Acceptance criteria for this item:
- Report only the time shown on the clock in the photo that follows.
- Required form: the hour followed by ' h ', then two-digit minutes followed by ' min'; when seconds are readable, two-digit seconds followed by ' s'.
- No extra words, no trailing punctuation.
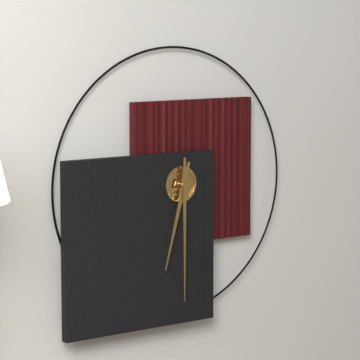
6 h 30 min
